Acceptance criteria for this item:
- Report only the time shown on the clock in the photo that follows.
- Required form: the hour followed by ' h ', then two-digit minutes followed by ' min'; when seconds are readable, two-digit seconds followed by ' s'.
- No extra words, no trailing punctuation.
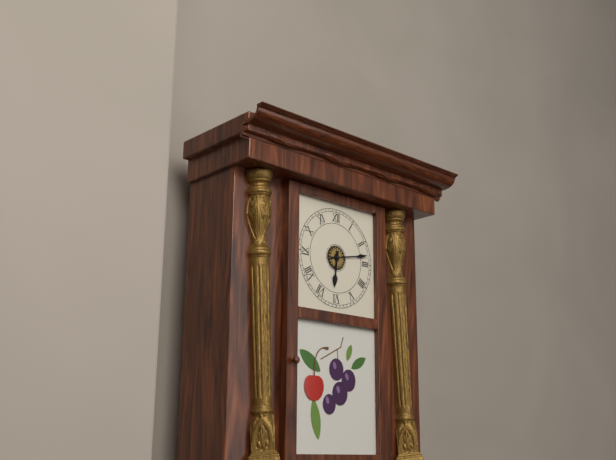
6 h 13 min
